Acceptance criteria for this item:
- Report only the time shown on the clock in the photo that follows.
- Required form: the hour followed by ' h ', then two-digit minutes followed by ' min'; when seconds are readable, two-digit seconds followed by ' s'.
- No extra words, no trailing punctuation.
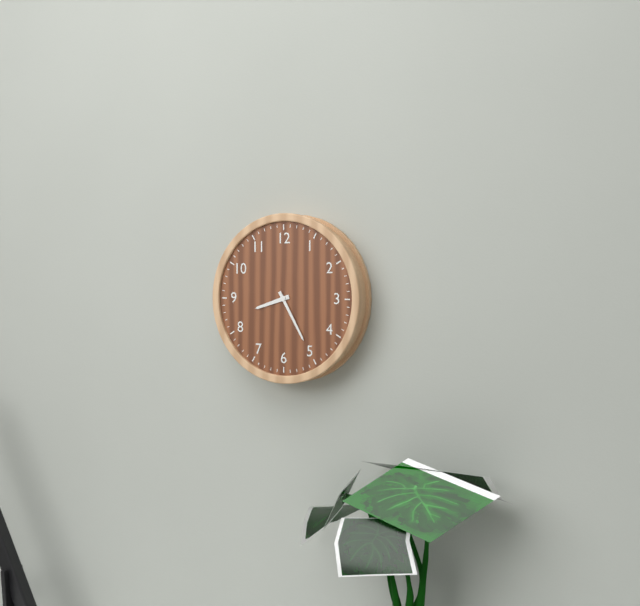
8 h 25 min
